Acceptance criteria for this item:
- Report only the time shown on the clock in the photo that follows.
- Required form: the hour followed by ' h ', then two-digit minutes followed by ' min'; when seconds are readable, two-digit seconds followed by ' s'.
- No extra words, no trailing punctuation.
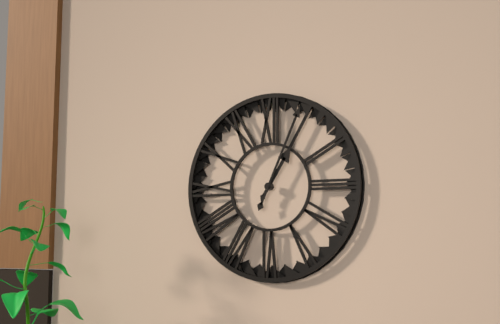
1 h 04 min
